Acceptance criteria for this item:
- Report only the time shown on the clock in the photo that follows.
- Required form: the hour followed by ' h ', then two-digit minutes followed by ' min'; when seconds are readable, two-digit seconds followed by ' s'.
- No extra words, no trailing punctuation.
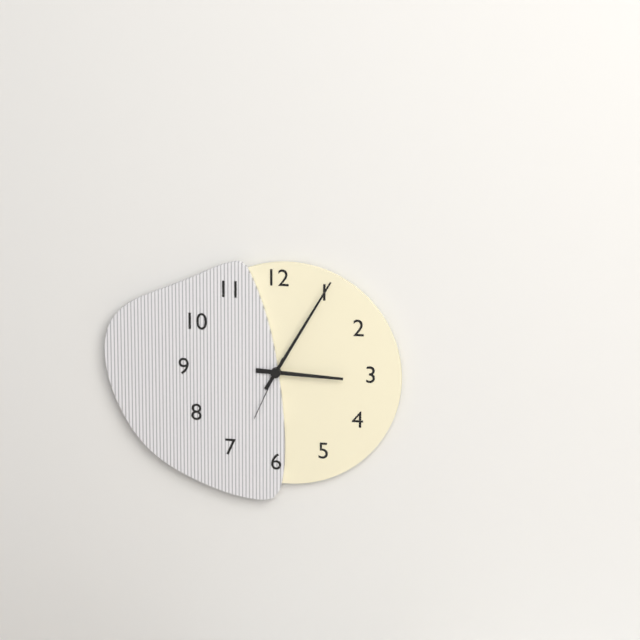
3 h 05 min 34 s
